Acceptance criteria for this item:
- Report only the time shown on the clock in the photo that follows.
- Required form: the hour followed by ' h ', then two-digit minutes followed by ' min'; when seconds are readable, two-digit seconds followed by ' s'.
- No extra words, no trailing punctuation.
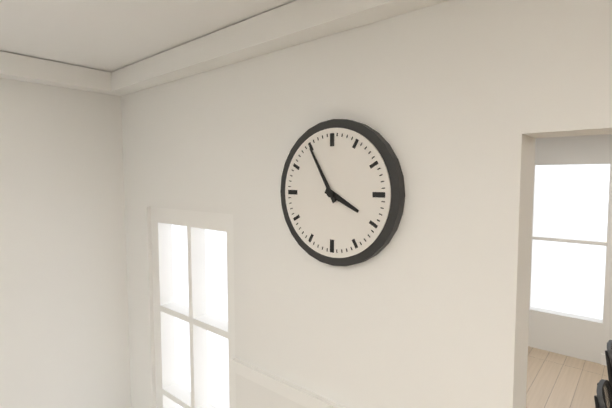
3 h 55 min
